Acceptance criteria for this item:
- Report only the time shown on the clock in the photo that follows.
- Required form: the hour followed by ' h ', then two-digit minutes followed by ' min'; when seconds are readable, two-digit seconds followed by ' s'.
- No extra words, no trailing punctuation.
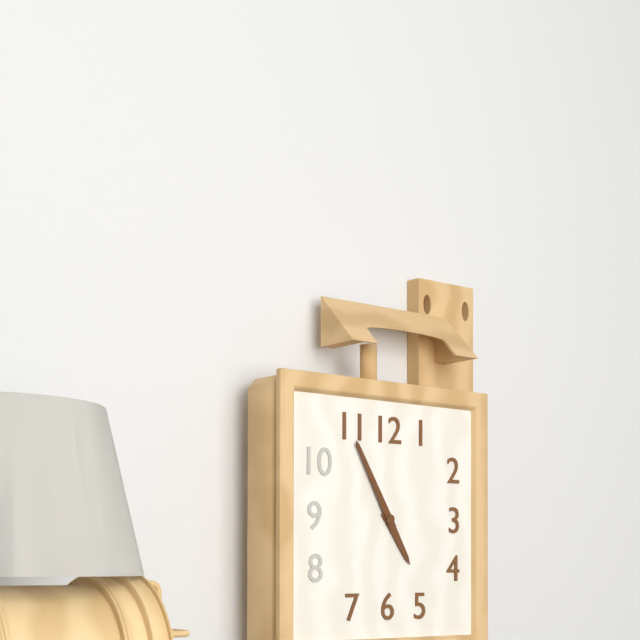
4 h 55 min
